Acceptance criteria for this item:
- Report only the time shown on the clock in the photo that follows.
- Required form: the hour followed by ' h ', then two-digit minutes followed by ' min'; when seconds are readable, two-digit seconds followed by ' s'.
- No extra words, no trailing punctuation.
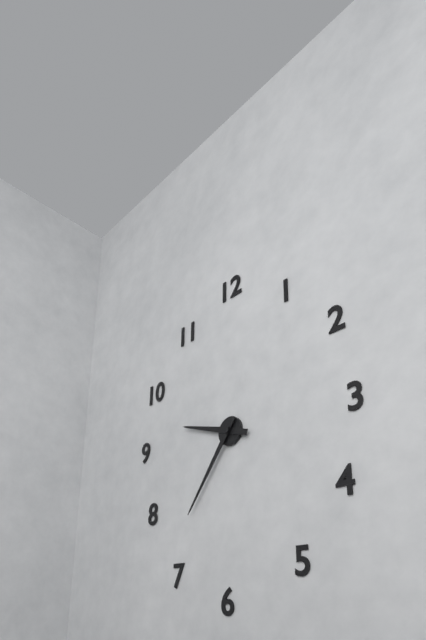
9 h 36 min
